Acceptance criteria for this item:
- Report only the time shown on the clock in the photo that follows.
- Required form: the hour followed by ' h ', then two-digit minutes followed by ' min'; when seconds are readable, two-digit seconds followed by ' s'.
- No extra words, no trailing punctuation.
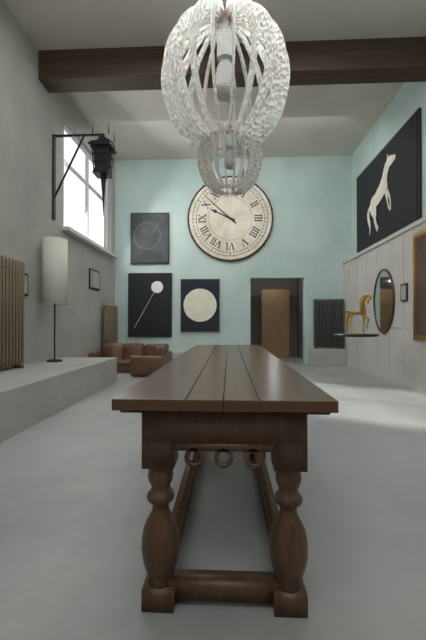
9 h 52 min
